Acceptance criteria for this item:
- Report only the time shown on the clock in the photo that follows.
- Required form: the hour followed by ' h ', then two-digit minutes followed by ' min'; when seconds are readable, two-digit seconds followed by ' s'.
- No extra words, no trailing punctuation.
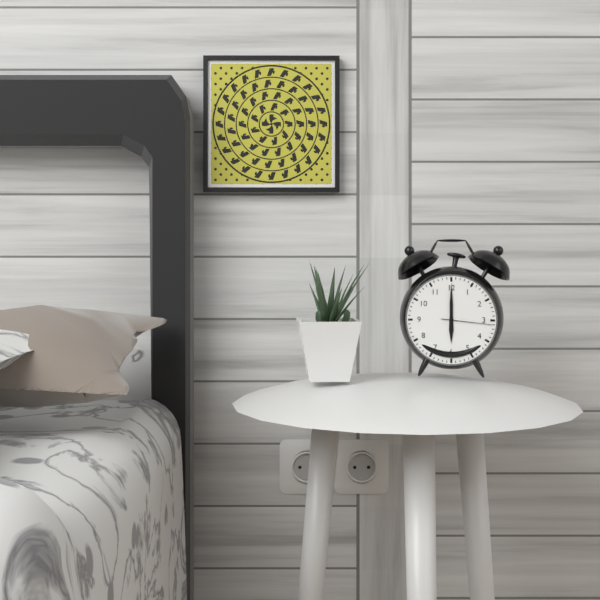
6 h 00 min 16 s
